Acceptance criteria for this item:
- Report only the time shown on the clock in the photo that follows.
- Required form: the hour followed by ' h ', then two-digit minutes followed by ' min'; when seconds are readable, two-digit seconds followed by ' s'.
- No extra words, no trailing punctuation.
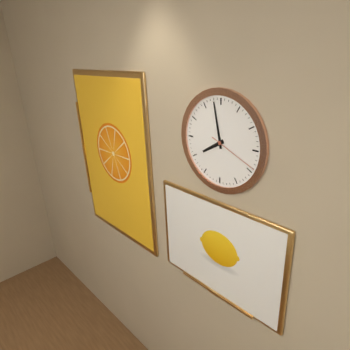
7 h 58 min 19 s
